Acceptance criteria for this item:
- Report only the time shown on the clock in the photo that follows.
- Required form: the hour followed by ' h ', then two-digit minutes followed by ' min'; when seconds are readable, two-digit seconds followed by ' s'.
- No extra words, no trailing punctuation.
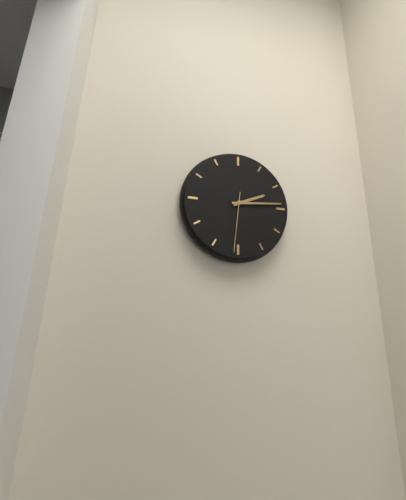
2 h 14 min 31 s
